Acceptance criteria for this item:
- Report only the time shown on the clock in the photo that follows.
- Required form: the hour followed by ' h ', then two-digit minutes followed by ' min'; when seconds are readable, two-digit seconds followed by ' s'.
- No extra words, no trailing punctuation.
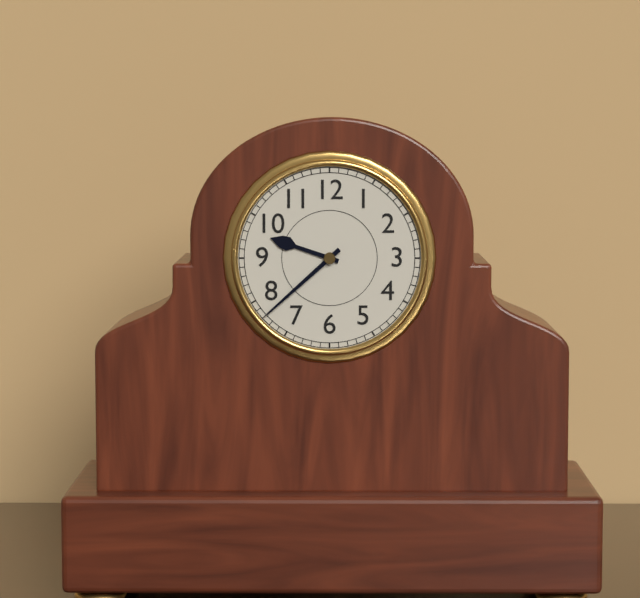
9 h 38 min
